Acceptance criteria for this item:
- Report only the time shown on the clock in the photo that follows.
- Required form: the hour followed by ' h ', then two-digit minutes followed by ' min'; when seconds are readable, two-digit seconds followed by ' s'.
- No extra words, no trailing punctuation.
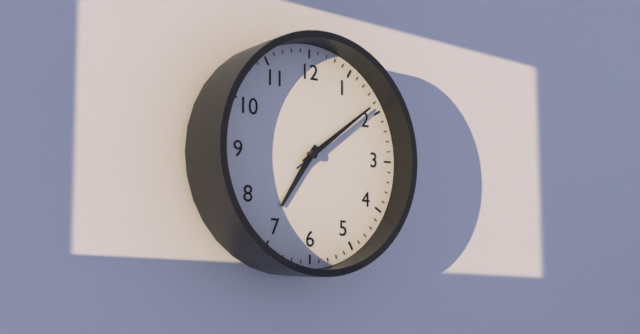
7 h 09 min 09 s
